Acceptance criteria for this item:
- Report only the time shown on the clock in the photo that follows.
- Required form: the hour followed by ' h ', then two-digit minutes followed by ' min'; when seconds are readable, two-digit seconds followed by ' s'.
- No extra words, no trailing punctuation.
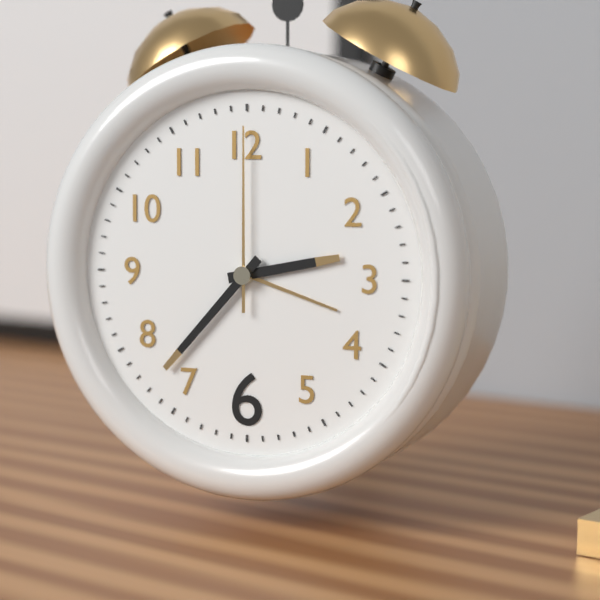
2 h 37 min 00 s
